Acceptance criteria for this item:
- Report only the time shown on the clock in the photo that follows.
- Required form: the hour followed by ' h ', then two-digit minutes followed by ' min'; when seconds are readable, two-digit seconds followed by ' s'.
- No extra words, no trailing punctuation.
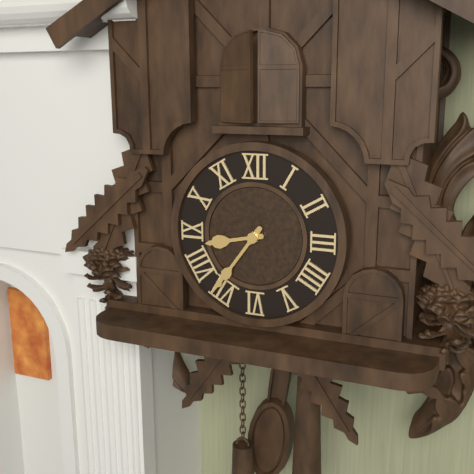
8 h 36 min
